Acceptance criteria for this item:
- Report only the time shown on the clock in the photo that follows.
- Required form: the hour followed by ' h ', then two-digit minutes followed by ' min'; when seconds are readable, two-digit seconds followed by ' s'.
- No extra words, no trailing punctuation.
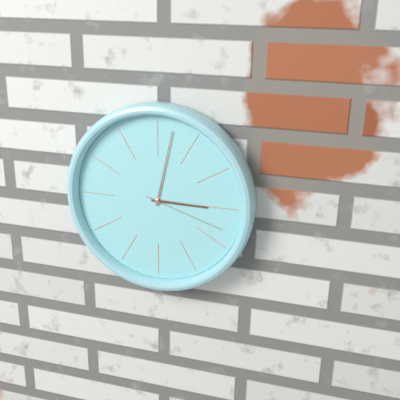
3 h 02 min 18 s
